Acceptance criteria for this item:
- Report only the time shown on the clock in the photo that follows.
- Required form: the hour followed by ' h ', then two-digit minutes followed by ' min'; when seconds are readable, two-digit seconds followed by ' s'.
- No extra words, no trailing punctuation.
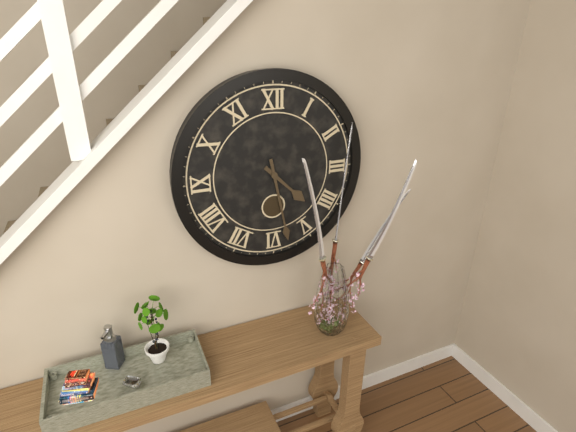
4 h 28 min
